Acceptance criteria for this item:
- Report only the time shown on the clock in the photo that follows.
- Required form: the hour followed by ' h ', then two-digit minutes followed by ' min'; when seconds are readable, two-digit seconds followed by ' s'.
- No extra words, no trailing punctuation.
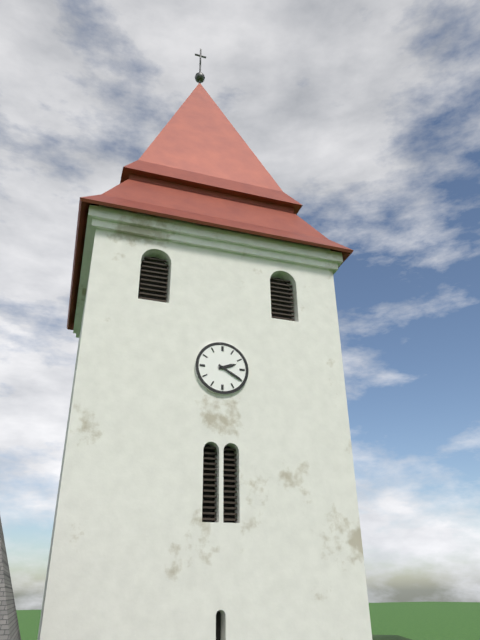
2 h 20 min
